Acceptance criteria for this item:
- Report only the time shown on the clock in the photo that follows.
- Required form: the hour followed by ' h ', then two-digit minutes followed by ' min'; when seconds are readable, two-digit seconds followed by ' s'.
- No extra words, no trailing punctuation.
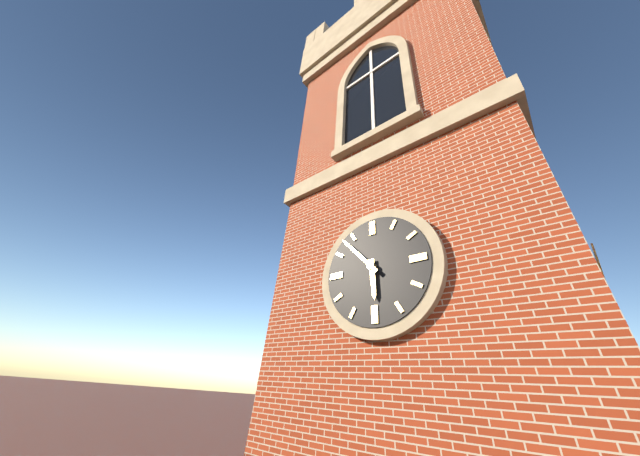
5 h 53 min
